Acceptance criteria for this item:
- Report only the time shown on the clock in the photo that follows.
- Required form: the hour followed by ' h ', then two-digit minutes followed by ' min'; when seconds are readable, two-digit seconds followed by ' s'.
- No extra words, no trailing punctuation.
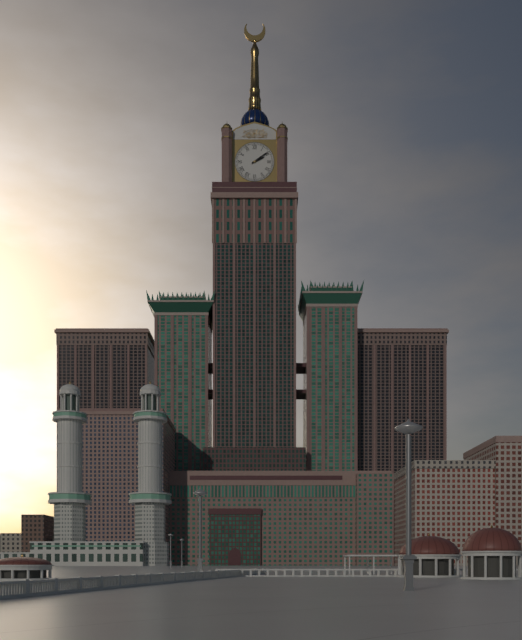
2 h 09 min
